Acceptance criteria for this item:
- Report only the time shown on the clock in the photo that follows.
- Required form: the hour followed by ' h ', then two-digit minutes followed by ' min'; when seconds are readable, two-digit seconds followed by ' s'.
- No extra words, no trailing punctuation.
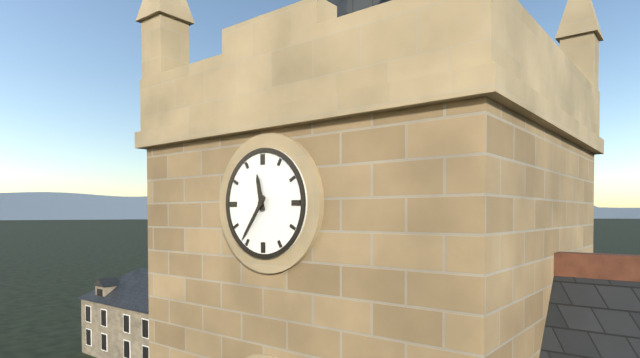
11 h 36 min
